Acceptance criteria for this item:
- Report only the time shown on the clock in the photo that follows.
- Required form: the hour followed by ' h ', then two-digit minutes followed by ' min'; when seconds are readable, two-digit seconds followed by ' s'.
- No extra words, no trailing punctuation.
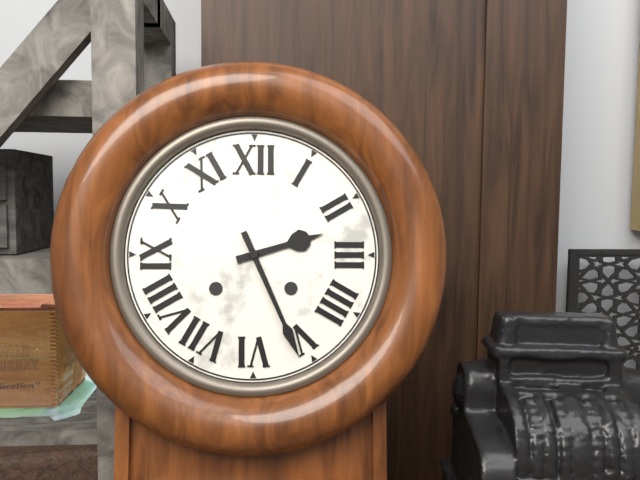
2 h 26 min
